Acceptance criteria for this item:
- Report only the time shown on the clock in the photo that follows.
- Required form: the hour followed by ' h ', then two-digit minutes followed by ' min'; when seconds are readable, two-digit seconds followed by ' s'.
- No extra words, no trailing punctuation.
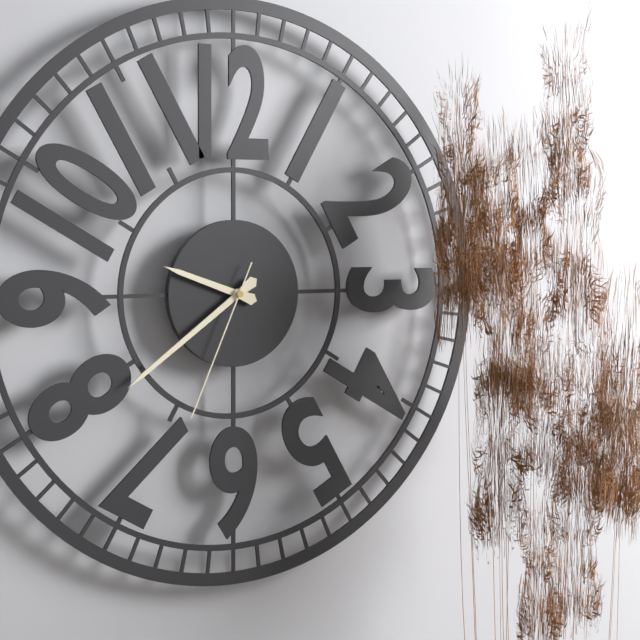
9 h 39 min 34 s
